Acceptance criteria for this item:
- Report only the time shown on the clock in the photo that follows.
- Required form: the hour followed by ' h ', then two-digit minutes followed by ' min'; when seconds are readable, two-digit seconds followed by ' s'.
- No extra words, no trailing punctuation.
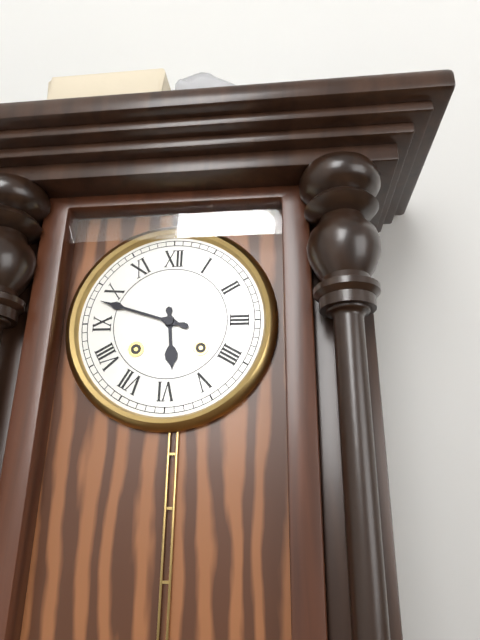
5 h 48 min
